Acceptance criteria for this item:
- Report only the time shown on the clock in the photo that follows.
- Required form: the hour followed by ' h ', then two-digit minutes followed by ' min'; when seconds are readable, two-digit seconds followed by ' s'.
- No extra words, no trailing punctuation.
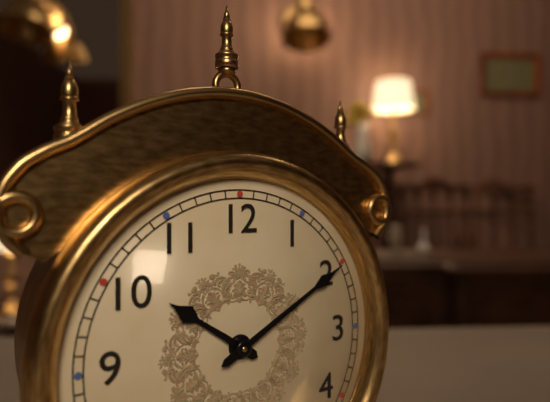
10 h 10 min
